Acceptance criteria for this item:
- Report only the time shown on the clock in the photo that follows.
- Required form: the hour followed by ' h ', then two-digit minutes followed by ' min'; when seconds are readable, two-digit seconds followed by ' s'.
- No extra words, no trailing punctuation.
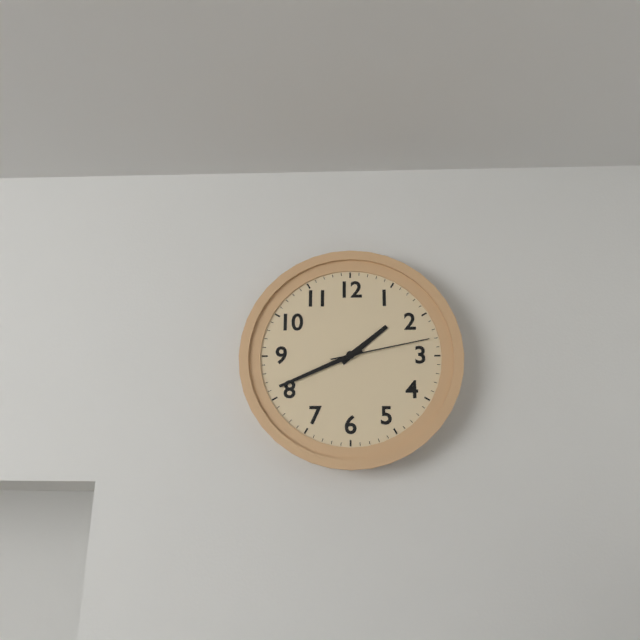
1 h 41 min 13 s
